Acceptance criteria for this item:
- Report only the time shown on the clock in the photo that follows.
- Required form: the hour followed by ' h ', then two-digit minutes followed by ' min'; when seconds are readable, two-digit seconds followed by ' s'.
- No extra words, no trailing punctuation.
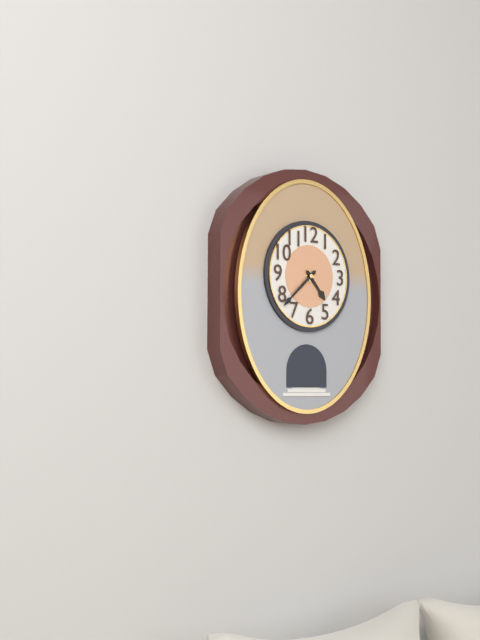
4 h 38 min
